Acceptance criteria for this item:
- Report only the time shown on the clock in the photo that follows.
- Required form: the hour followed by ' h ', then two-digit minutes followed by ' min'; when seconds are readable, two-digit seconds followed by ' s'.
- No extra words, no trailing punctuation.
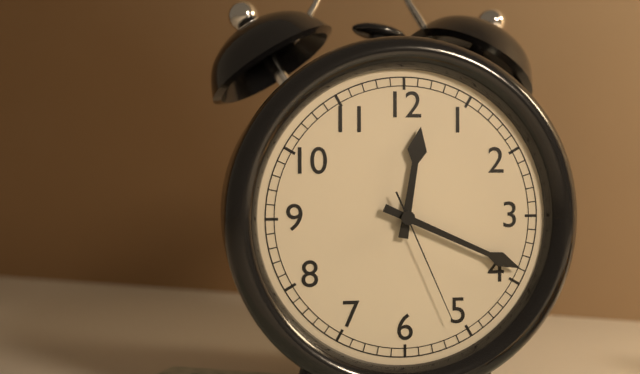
12 h 19 min 26 s
